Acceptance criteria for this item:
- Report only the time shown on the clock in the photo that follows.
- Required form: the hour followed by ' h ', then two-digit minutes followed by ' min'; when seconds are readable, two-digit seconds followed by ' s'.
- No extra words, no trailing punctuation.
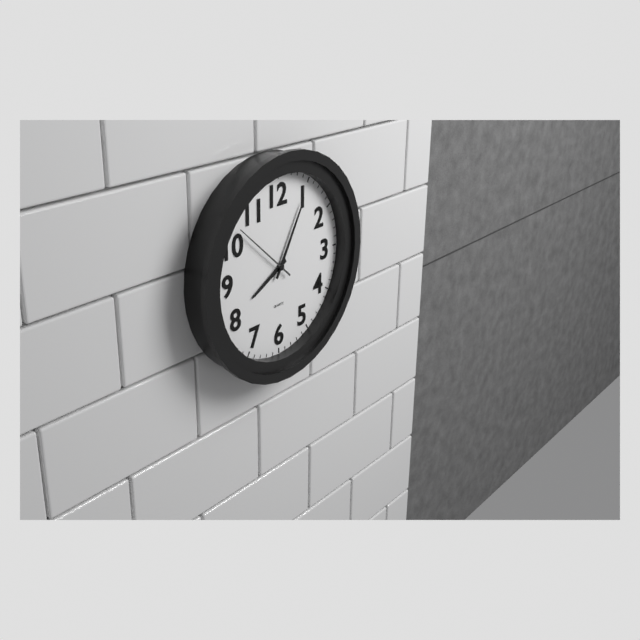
8 h 05 min 52 s
